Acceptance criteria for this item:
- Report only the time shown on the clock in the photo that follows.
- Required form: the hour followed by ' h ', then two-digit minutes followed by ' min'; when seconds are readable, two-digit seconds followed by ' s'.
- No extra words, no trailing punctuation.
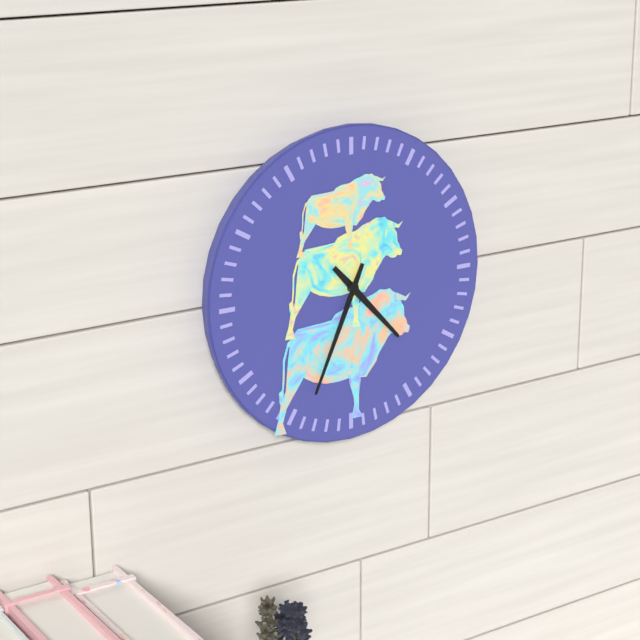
4 h 34 min
